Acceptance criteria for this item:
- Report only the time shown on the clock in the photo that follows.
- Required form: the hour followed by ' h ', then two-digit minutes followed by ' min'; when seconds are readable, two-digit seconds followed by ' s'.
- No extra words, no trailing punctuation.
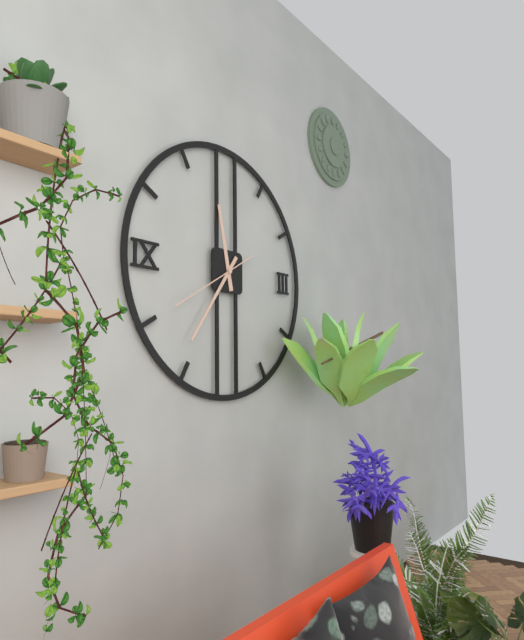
11 h 36 min 40 s
